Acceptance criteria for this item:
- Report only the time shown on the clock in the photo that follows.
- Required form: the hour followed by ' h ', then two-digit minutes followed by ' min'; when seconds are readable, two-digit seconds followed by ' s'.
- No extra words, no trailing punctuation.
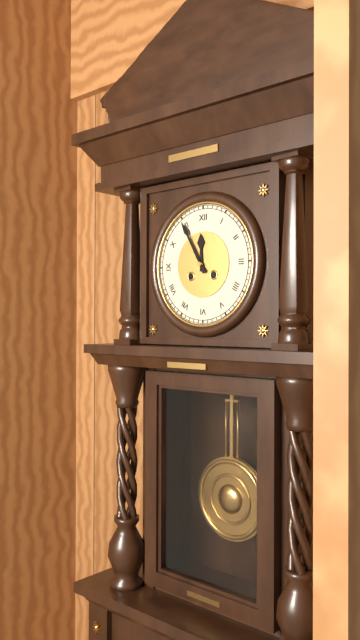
11 h 55 min
